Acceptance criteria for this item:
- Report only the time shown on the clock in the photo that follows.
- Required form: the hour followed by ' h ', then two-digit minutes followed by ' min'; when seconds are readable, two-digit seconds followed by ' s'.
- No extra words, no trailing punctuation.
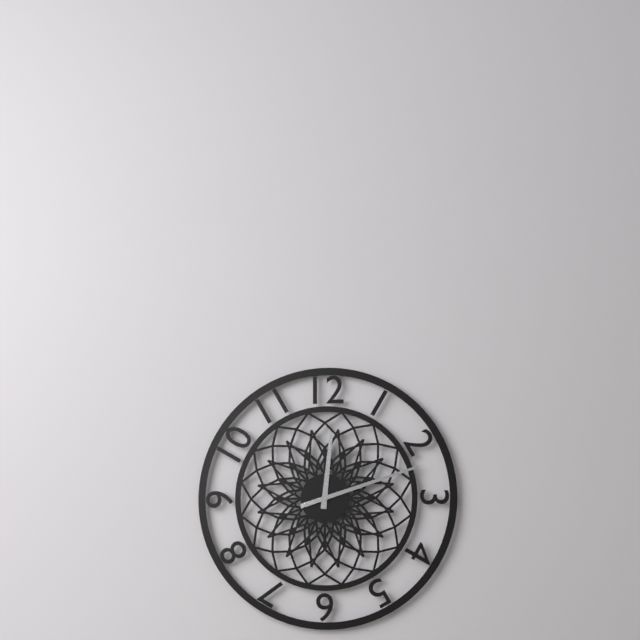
12 h 12 min
